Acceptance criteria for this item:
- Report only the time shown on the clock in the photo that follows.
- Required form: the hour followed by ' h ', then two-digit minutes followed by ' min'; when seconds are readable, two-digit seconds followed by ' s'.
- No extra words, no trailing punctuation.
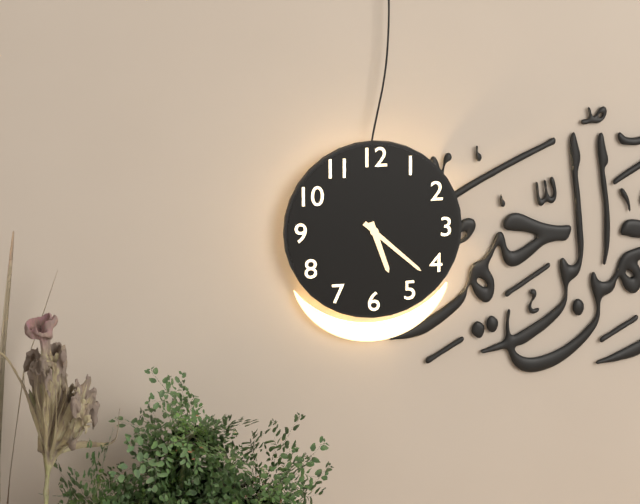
5 h 22 min
